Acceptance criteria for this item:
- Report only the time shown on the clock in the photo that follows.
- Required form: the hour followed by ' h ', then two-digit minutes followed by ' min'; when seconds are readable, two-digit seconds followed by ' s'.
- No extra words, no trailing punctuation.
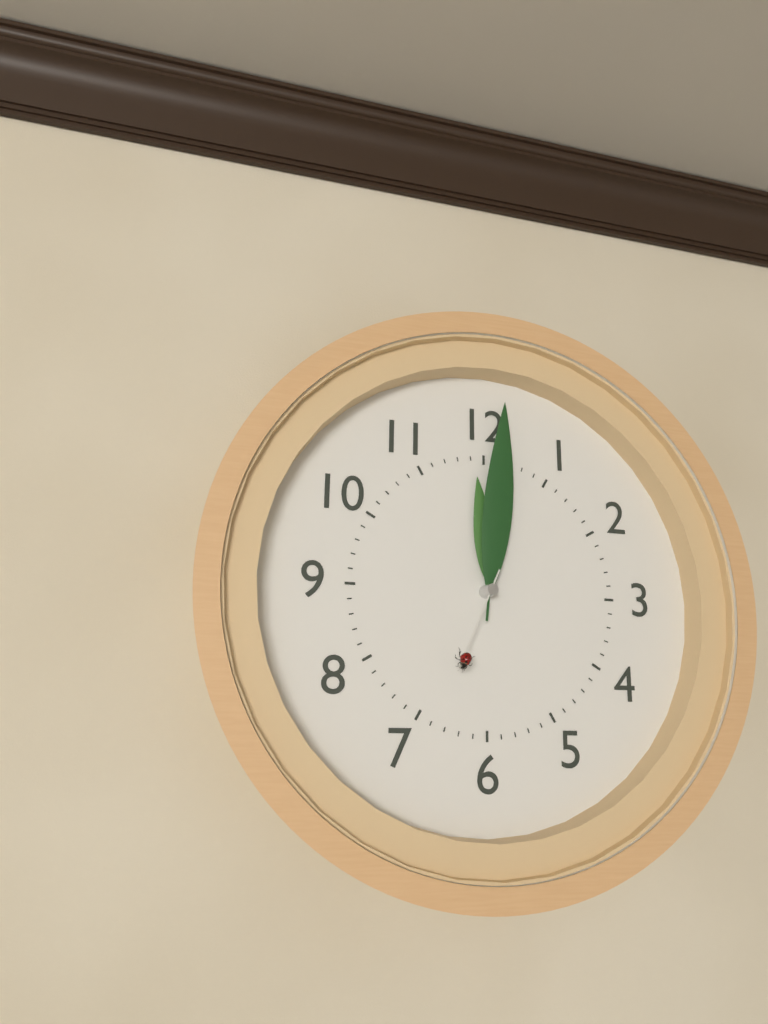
12 h 01 min 34 s
